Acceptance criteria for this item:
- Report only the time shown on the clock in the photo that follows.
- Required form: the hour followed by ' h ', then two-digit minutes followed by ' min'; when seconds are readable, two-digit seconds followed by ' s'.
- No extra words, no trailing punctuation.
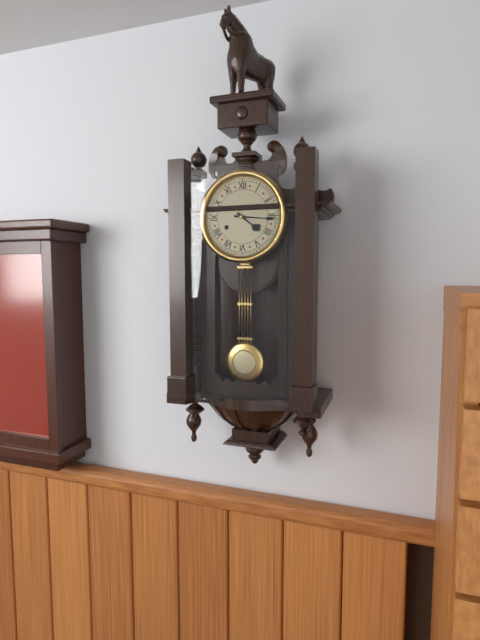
4 h 16 min
